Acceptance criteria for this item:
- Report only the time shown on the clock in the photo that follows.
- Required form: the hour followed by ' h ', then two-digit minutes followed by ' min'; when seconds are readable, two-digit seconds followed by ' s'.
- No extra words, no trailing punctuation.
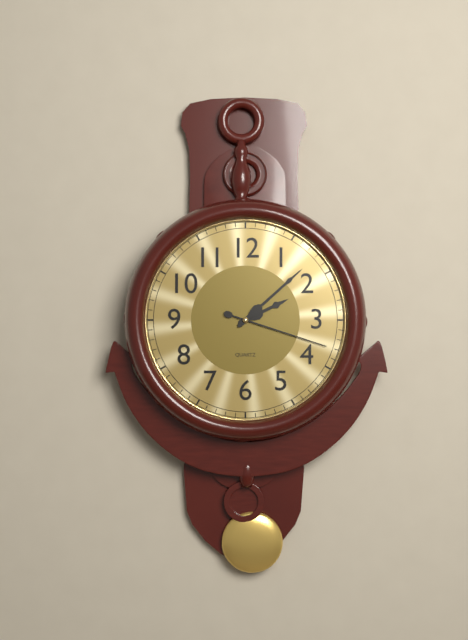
2 h 08 min 18 s
